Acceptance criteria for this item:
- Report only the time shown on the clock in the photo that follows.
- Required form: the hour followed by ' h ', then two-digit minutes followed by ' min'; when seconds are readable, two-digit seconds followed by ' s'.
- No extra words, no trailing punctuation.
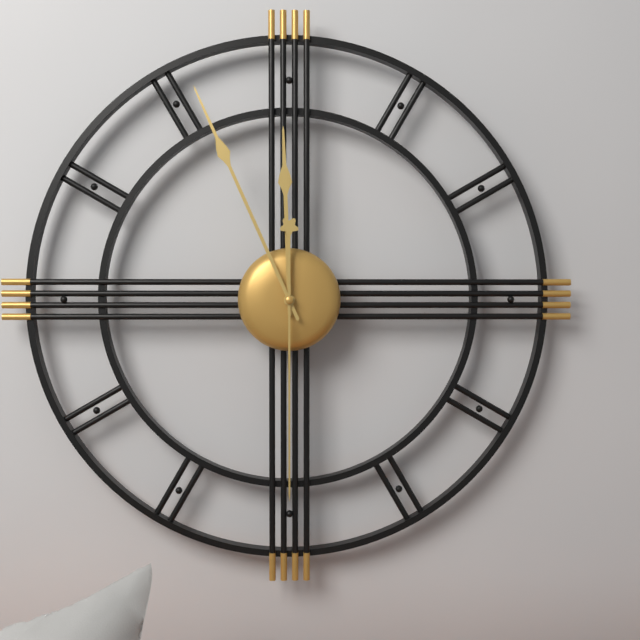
11 h 56 min 30 s
